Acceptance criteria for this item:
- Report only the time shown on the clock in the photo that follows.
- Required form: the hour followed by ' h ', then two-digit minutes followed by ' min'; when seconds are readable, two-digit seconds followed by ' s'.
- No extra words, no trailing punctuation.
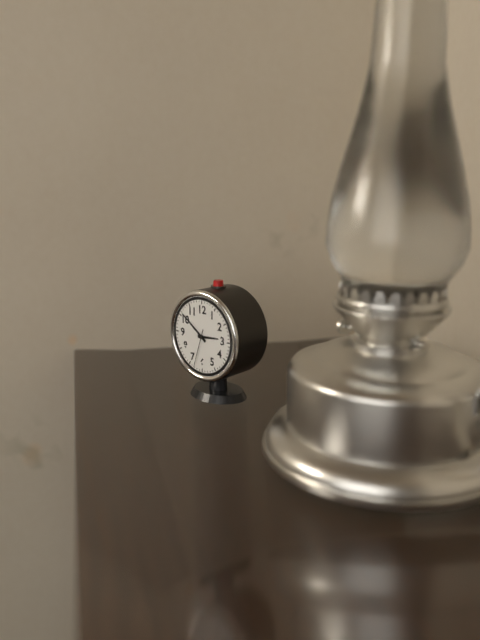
2 h 51 min 33 s
